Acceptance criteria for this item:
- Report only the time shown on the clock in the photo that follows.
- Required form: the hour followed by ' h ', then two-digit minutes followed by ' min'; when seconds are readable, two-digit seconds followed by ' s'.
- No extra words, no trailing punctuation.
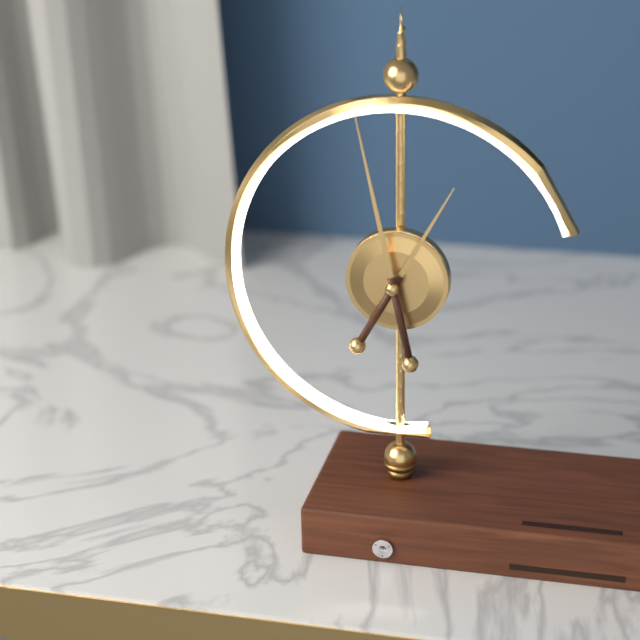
12 h 58 min
